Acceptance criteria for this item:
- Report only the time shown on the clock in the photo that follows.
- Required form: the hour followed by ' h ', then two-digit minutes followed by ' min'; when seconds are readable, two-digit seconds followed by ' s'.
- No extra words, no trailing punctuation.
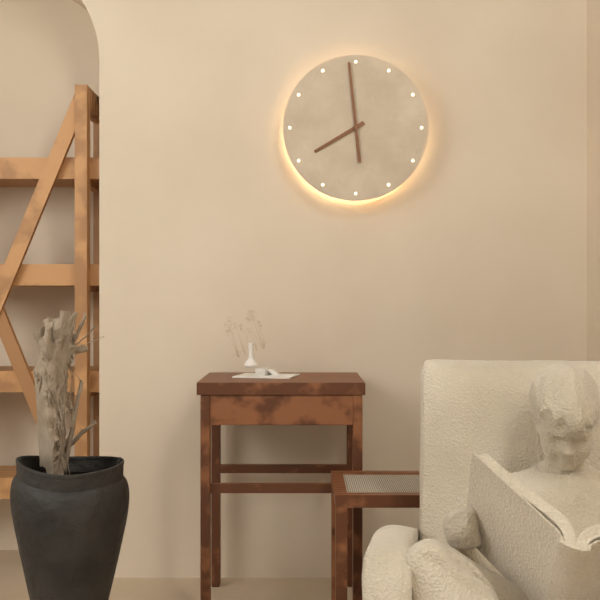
7 h 59 min
